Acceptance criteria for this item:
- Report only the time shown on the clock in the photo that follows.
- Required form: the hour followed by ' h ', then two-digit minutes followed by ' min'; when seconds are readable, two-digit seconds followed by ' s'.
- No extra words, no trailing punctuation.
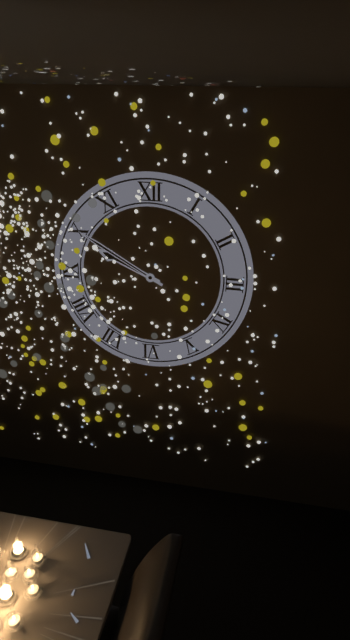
9 h 50 min
